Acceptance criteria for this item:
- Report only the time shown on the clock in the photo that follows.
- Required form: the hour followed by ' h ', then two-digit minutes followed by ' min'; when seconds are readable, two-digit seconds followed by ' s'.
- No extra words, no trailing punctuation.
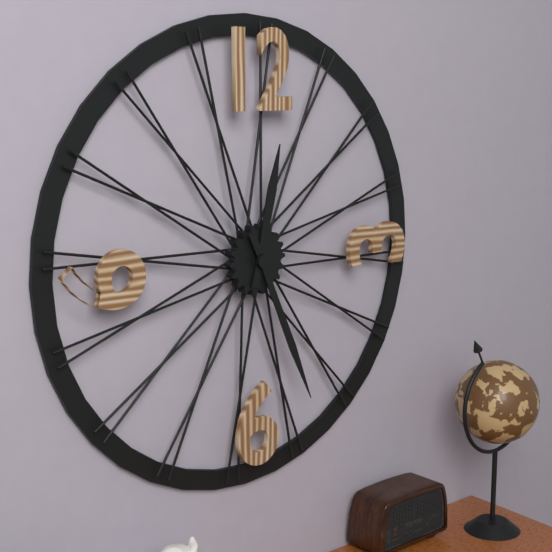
12 h 26 min
